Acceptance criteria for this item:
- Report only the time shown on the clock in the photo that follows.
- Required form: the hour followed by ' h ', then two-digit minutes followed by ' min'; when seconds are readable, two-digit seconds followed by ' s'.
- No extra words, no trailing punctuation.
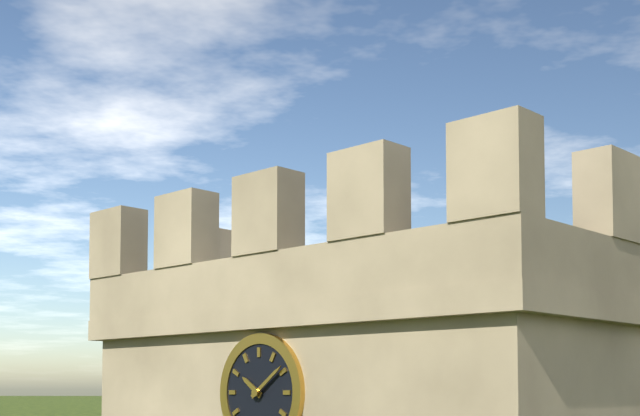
10 h 09 min
